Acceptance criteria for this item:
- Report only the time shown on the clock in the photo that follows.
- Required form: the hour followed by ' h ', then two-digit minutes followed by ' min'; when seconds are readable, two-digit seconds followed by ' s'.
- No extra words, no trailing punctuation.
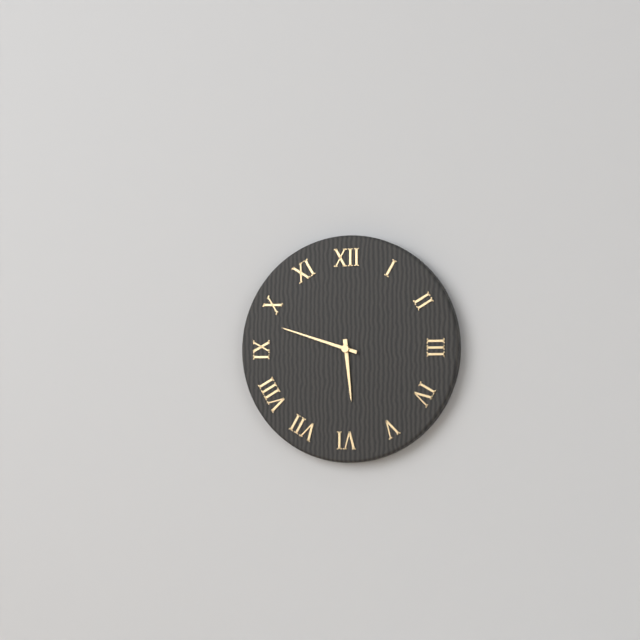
5 h 48 min
